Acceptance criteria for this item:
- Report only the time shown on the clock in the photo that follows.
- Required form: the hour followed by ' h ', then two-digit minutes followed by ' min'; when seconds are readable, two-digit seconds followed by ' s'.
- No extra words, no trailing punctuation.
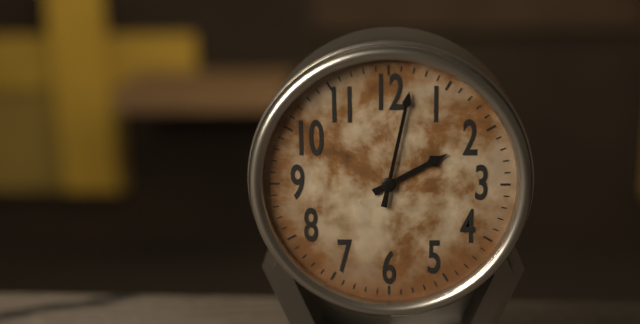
2 h 02 min
